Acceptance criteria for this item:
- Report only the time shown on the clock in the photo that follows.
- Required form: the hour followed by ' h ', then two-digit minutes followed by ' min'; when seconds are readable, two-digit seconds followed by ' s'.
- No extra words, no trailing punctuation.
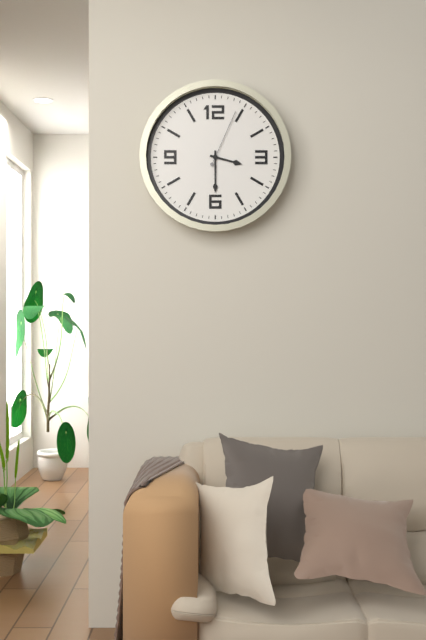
3 h 30 min 04 s
